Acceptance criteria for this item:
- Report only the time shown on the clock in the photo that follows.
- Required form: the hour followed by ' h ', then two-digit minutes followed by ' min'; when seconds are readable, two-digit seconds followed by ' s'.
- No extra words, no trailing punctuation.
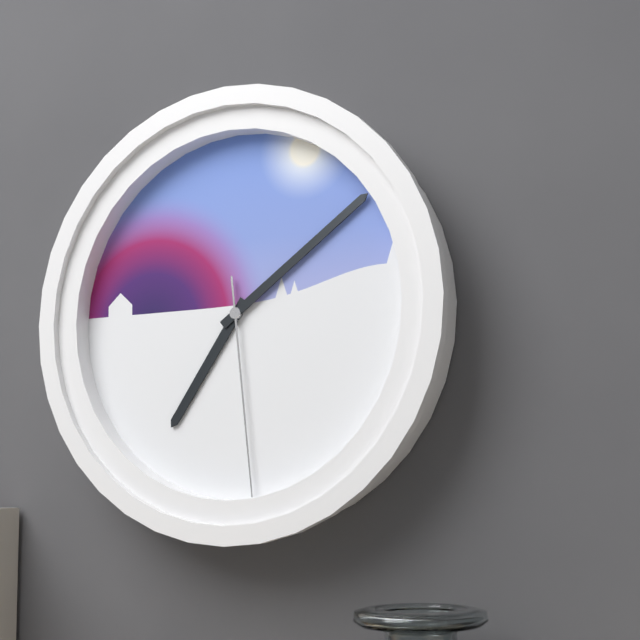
7 h 09 min 29 s
